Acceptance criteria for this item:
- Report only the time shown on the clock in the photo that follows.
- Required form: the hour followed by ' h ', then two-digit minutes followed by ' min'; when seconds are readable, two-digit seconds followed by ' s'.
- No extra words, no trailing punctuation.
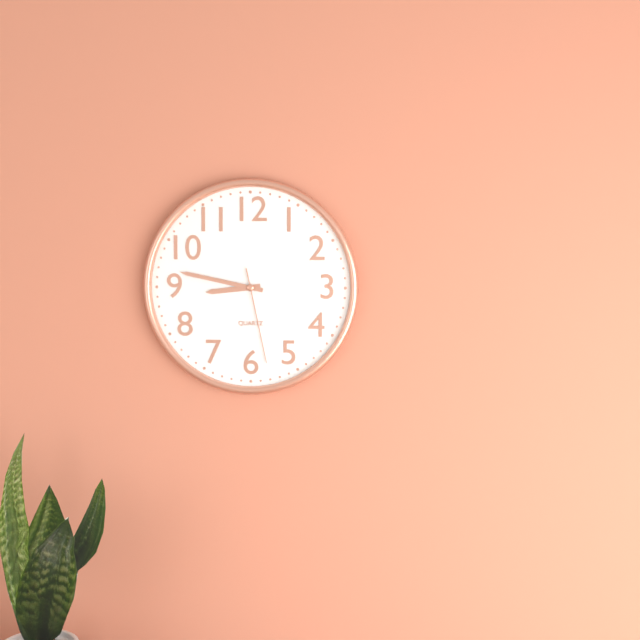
8 h 47 min 28 s
